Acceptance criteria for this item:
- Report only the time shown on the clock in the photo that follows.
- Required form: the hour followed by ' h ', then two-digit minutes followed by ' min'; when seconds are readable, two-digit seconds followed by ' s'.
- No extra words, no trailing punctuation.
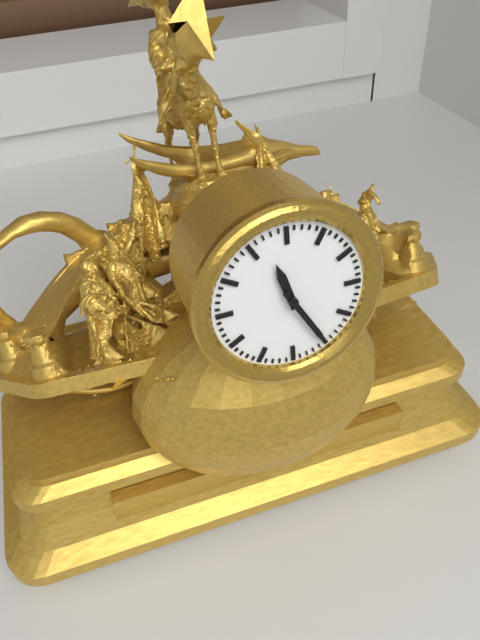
11 h 25 min
